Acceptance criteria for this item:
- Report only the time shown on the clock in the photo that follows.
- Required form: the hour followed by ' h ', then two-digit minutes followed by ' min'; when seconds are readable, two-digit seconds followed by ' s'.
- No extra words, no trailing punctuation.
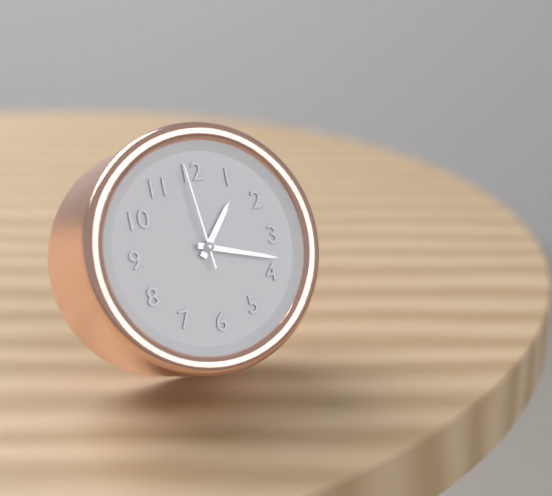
1 h 18 min 59 s
